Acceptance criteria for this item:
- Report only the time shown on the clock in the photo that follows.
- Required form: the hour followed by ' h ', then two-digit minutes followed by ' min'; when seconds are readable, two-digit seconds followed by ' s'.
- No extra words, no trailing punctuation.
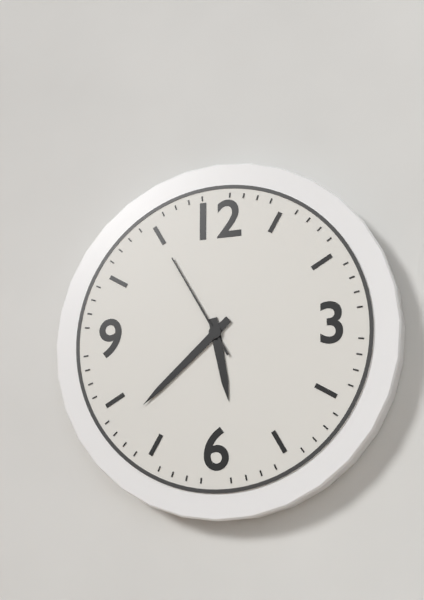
5 h 38 min 55 s
